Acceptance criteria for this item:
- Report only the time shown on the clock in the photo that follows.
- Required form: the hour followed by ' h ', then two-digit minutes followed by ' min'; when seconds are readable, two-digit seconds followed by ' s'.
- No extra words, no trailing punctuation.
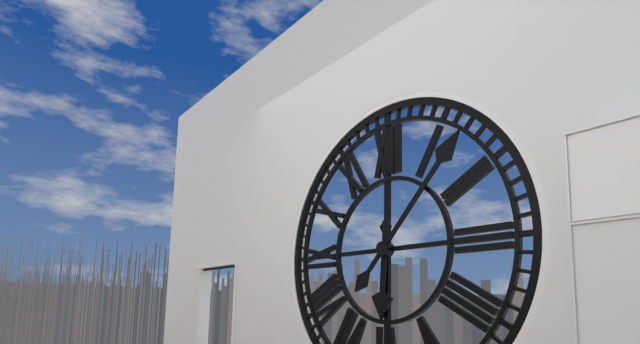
6 h 07 min
